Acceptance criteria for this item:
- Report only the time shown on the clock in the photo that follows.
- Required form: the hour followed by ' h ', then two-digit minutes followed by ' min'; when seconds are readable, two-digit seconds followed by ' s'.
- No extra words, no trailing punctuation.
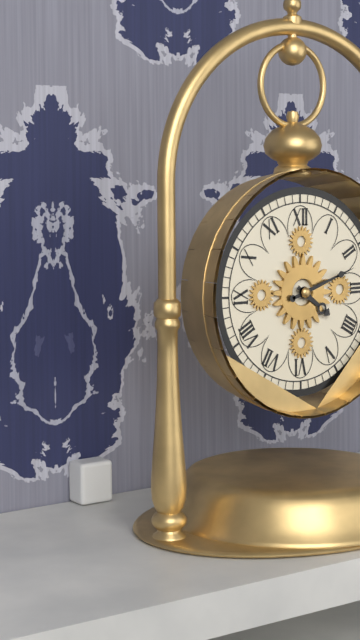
4 h 12 min
